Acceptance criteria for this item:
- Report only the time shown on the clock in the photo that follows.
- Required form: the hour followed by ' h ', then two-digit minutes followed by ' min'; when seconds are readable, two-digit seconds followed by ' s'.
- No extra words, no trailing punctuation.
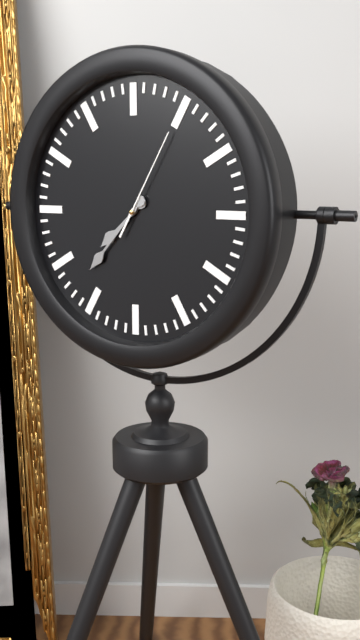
7 h 37 min 05 s
